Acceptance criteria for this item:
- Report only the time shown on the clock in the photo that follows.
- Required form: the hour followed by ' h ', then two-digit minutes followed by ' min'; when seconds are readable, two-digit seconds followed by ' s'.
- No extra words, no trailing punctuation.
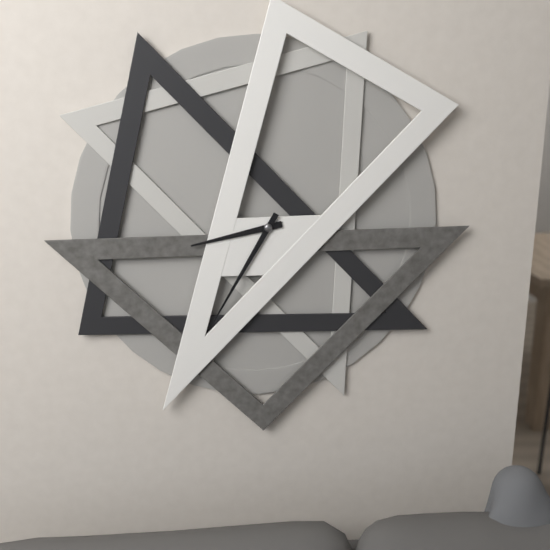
8 h 35 min
